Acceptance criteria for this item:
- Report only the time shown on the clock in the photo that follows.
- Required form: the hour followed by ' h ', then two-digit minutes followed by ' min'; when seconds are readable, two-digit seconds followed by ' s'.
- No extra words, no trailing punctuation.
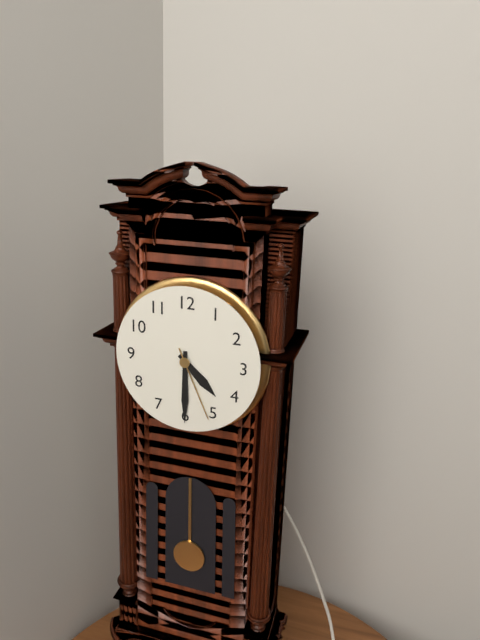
4 h 30 min 26 s
